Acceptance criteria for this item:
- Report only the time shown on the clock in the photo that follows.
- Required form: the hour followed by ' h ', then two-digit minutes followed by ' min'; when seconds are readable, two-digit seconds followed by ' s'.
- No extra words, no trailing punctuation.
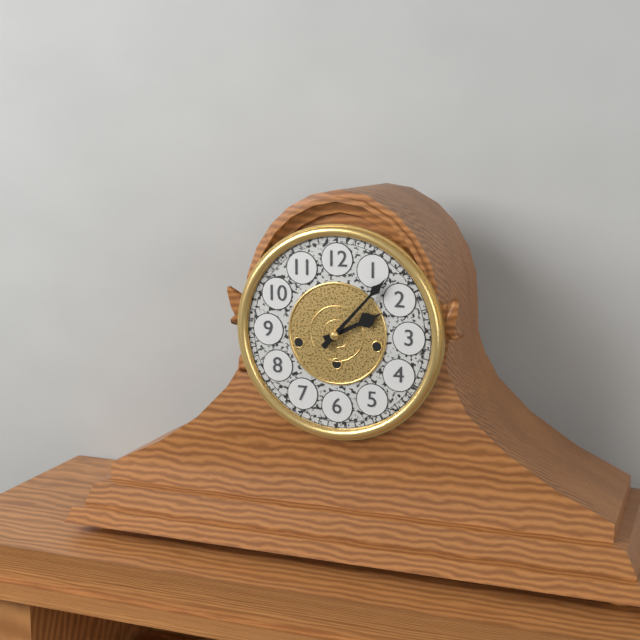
2 h 07 min
